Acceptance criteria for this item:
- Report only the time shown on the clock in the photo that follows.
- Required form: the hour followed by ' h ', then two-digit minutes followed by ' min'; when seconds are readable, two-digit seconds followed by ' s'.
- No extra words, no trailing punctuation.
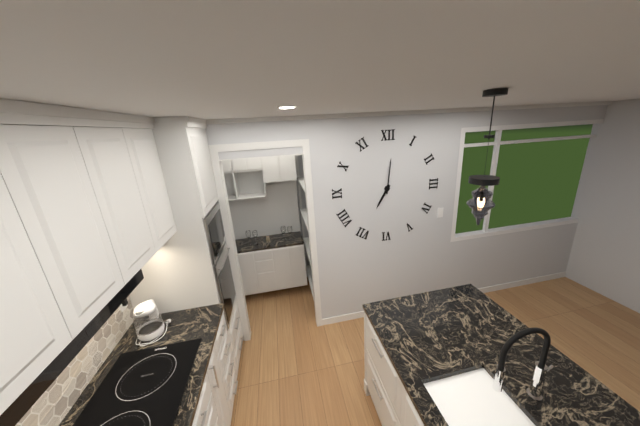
7 h 01 min
